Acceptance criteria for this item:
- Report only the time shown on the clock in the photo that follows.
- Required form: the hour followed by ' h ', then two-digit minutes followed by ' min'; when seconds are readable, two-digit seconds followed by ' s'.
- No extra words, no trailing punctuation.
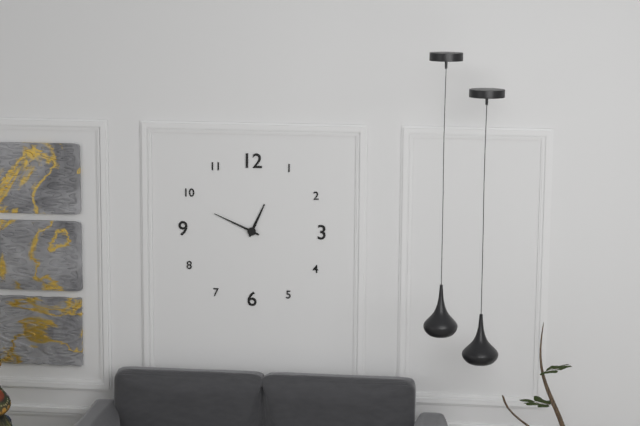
12 h 49 min
